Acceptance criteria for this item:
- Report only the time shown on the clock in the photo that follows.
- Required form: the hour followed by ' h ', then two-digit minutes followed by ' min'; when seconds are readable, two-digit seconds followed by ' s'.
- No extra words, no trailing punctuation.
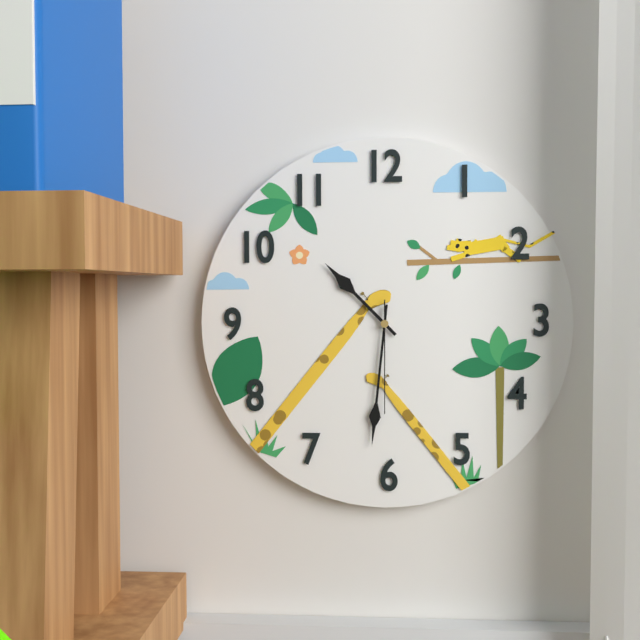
10 h 31 min 30 s
